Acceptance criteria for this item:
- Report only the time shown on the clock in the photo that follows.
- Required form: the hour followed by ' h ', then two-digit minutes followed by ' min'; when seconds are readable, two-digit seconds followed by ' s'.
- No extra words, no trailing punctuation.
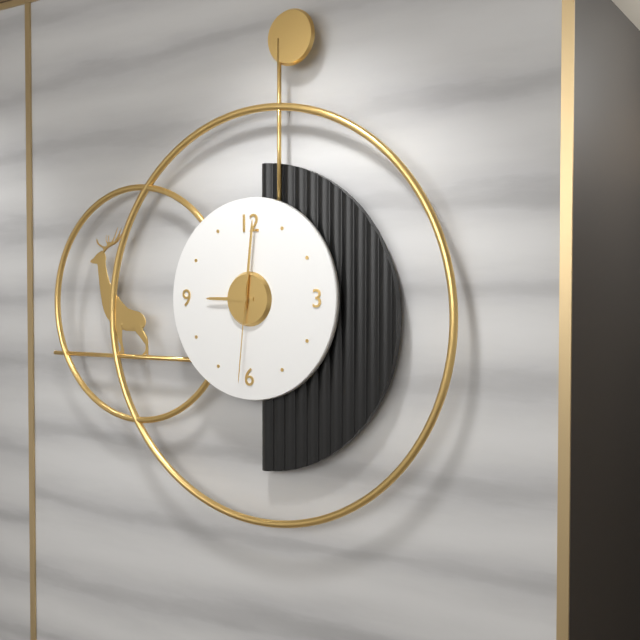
9 h 01 min 31 s
